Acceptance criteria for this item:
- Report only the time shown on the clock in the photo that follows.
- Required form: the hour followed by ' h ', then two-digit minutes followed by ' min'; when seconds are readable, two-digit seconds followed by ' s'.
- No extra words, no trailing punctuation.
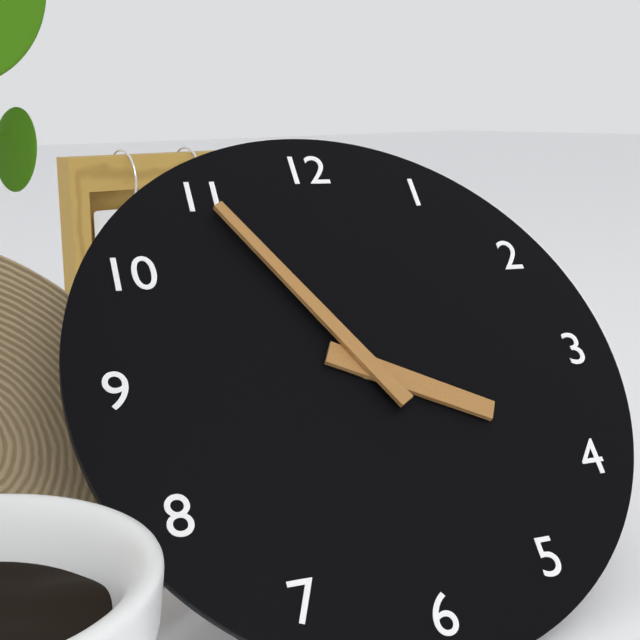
3 h 55 min
